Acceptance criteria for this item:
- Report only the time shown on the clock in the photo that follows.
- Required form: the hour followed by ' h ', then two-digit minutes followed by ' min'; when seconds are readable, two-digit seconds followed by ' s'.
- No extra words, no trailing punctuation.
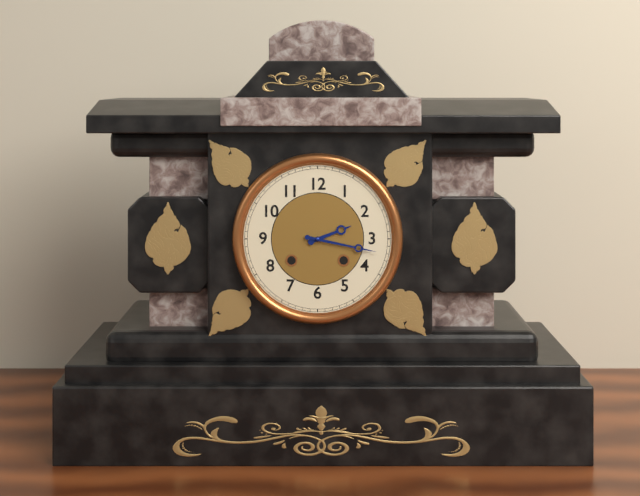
2 h 17 min
